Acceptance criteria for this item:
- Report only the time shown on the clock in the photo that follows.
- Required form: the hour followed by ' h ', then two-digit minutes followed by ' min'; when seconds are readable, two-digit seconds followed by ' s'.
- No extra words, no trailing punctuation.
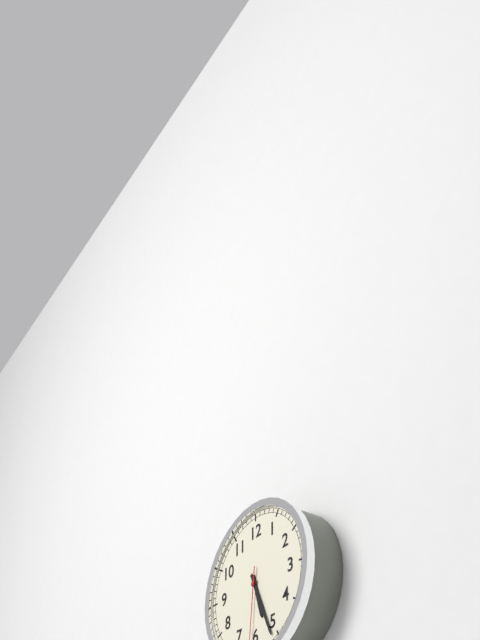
5 h 26 min
